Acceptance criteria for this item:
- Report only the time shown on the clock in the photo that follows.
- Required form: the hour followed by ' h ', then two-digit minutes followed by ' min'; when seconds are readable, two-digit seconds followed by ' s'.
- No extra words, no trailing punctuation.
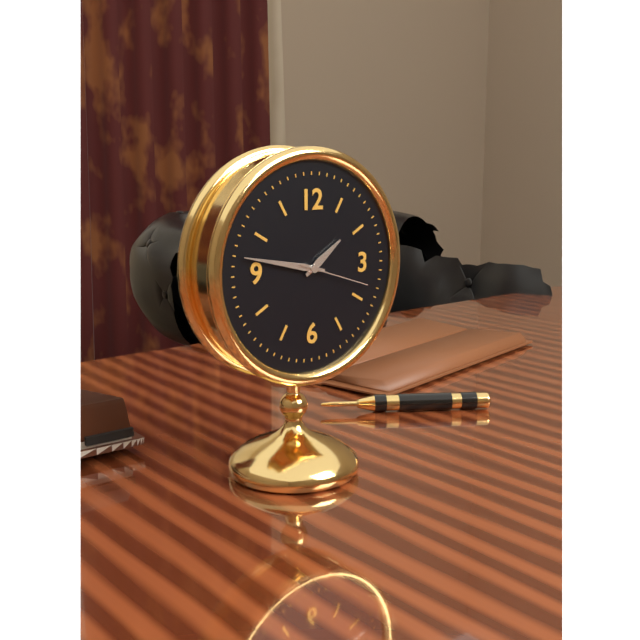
1 h 47 min 18 s
